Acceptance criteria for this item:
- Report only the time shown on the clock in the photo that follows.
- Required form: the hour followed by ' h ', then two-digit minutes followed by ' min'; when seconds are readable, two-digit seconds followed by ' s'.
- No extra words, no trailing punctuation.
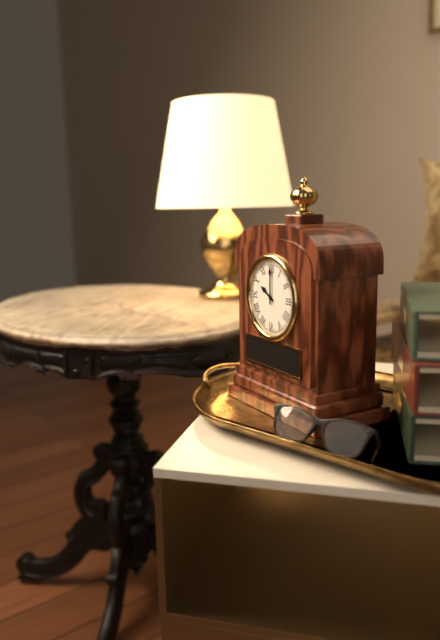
10 h 00 min
